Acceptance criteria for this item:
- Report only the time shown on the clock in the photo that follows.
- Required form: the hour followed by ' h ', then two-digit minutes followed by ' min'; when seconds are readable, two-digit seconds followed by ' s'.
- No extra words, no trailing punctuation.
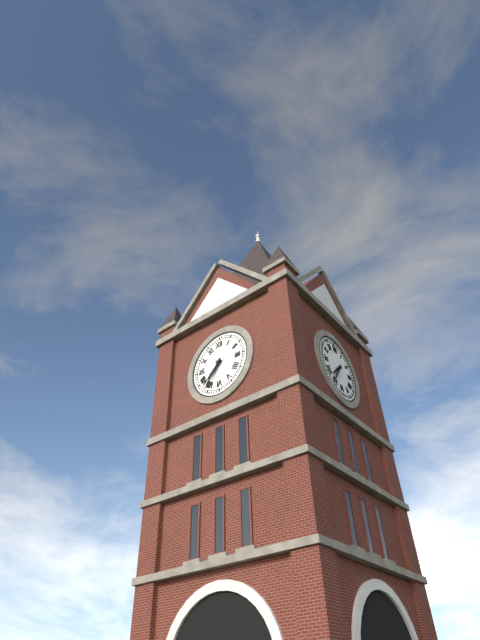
7 h 36 min
